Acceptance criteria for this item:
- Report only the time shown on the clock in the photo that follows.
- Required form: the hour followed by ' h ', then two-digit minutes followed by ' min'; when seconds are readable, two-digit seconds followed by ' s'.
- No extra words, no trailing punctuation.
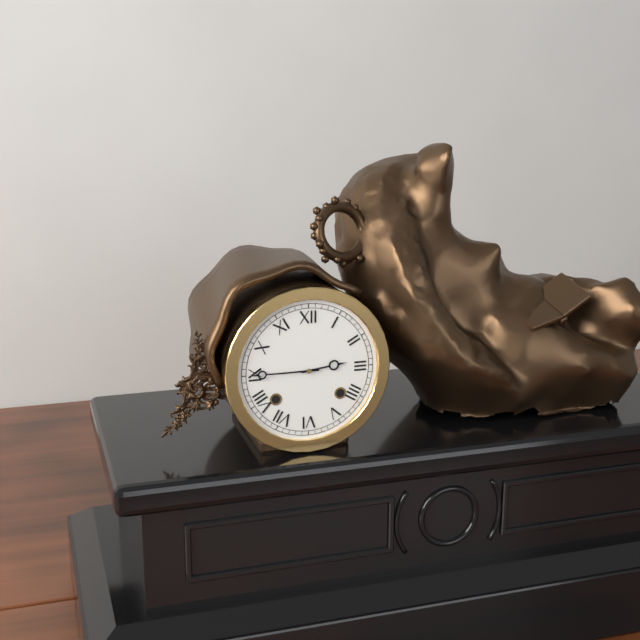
2 h 45 min
